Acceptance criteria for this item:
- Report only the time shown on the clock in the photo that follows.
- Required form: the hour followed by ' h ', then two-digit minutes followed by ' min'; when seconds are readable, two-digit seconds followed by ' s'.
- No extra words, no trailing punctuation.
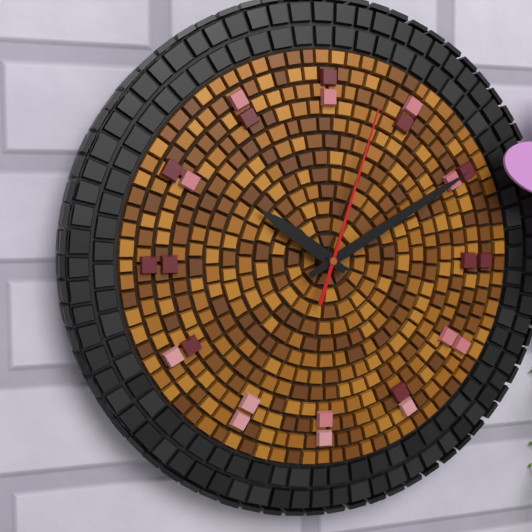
10 h 10 min 03 s
